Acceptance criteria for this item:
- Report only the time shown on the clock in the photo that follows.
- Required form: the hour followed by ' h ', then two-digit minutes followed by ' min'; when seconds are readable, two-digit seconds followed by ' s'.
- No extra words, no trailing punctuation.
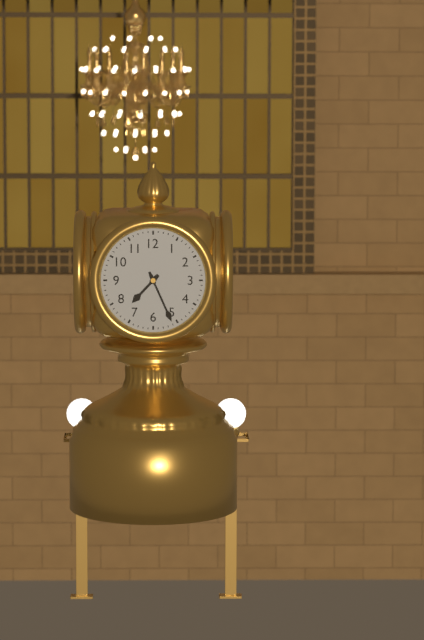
7 h 26 min
